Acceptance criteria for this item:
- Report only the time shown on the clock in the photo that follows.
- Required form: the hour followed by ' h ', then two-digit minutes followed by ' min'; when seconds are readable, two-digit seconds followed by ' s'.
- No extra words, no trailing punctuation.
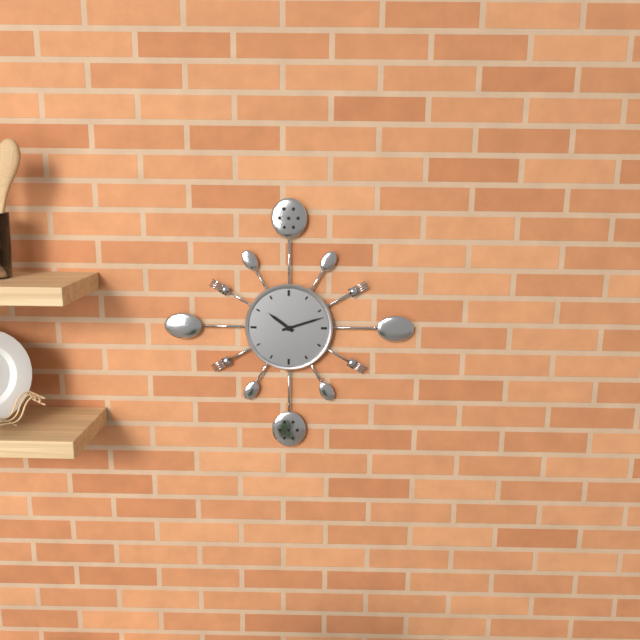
10 h 12 min
